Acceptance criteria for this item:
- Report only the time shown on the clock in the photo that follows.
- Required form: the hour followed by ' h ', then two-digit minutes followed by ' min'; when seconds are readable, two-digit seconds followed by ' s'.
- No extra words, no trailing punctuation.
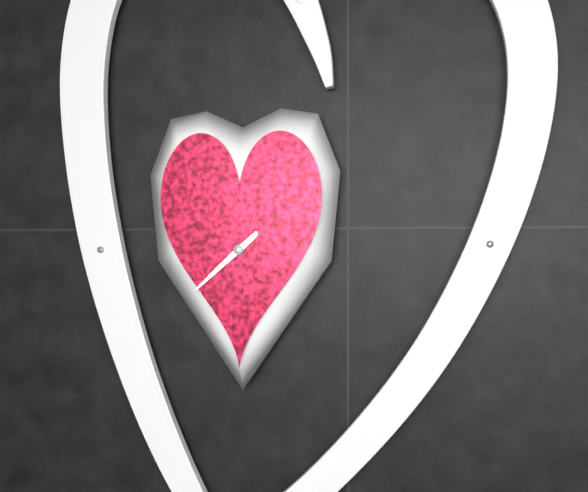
7 h 38 min
